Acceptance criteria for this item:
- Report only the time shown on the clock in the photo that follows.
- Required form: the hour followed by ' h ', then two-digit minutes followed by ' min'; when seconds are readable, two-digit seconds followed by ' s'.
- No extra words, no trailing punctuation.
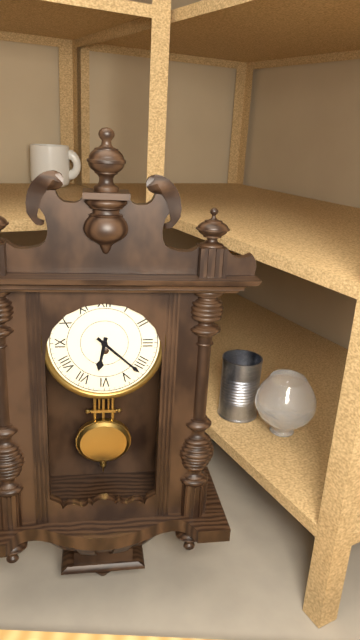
6 h 22 min
